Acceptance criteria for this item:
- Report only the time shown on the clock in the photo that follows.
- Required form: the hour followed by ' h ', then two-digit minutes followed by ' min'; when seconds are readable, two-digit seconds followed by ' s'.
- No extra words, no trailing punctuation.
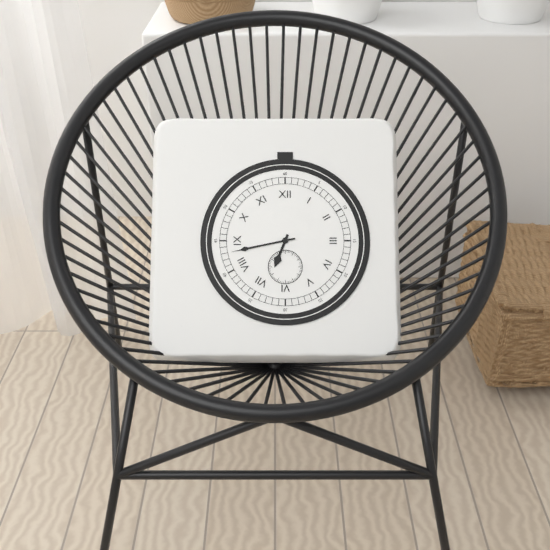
6 h 43 min
